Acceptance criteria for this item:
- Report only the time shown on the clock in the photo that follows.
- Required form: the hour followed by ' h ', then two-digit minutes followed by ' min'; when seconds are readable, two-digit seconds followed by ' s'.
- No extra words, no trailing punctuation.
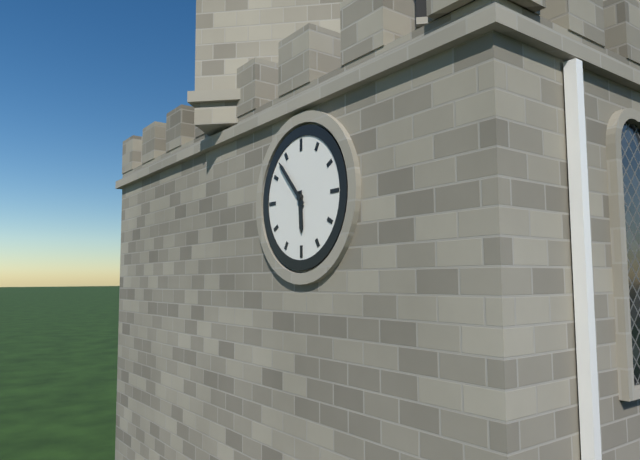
5 h 53 min
